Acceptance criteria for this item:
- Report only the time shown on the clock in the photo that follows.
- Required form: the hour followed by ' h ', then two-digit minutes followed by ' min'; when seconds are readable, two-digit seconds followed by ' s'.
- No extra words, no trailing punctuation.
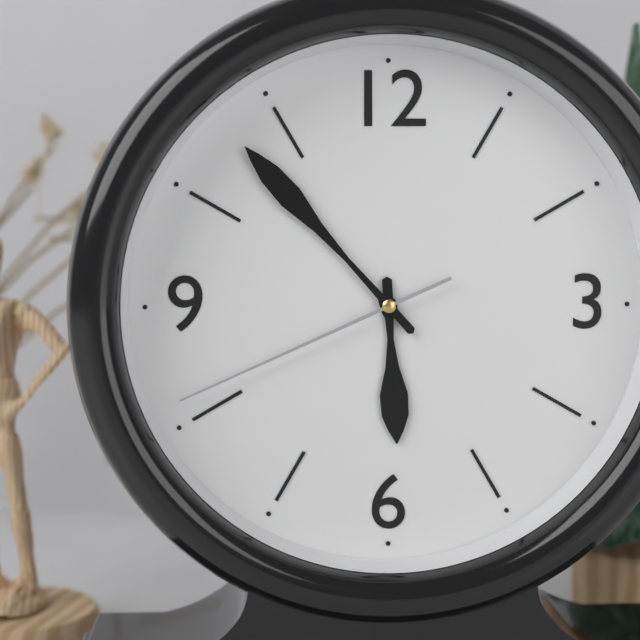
5 h 53 min 41 s
